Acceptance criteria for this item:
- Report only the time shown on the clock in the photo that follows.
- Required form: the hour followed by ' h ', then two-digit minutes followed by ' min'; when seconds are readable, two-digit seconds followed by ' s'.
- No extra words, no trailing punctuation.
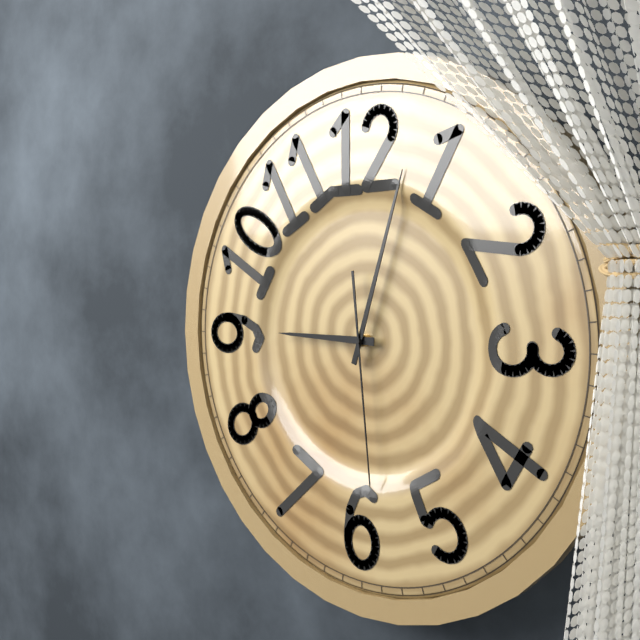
9 h 03 min 29 s
